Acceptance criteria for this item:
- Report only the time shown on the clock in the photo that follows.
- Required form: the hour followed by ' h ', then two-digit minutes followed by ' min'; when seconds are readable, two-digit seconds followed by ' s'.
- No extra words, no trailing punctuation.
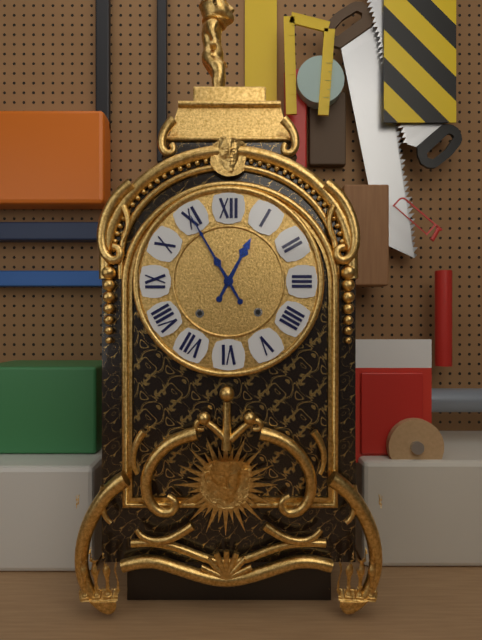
12 h 55 min
